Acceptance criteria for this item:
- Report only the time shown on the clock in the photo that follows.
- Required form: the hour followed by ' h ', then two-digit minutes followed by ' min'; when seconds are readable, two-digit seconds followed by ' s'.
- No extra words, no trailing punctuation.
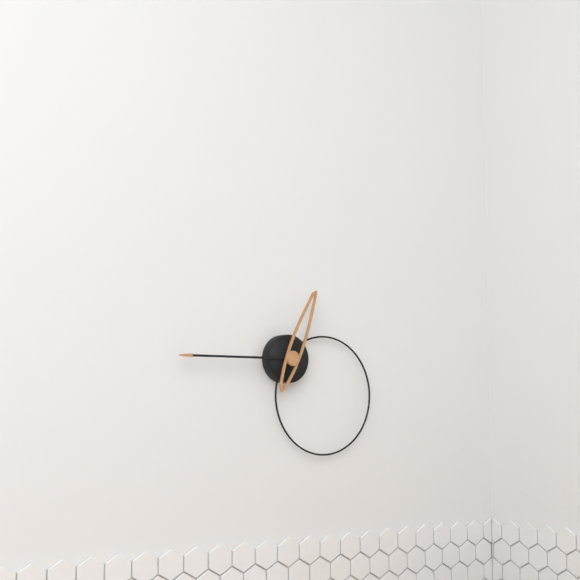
12 h 45 min
